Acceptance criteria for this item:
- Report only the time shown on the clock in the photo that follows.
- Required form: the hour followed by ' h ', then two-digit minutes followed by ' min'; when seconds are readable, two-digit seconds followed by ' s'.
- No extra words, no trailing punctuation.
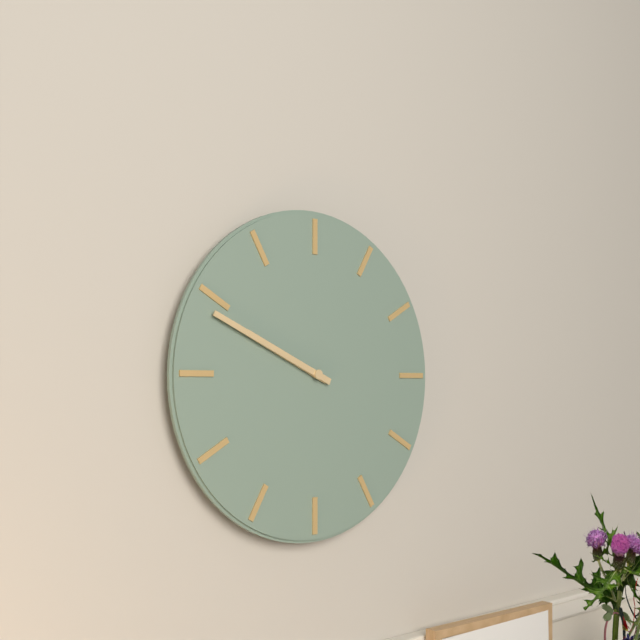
9 h 49 min
